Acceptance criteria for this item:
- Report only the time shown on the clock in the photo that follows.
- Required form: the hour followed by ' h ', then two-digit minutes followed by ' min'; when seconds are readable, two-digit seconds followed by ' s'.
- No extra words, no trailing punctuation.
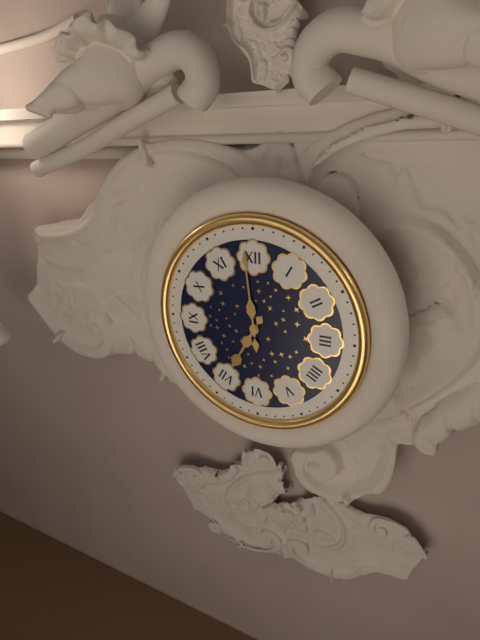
6 h 59 min
